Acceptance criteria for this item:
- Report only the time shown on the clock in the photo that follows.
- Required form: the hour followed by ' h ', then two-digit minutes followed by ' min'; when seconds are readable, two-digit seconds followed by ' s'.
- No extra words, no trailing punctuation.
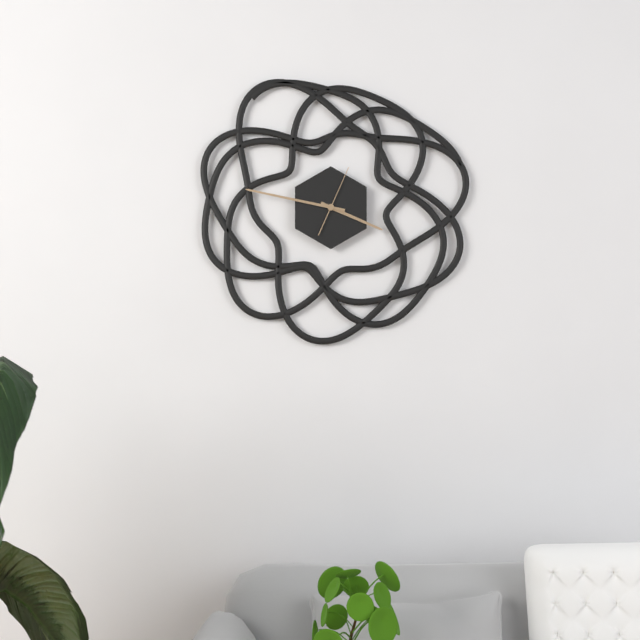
3 h 47 min 04 s
